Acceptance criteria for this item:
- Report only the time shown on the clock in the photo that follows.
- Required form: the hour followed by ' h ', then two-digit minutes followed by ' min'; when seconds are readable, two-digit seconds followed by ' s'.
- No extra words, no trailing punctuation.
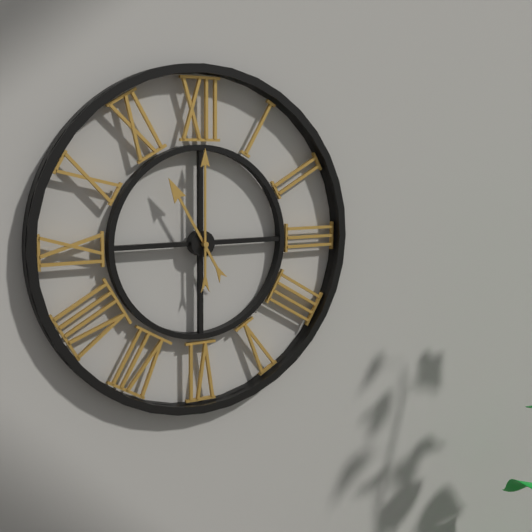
11 h 00 min
